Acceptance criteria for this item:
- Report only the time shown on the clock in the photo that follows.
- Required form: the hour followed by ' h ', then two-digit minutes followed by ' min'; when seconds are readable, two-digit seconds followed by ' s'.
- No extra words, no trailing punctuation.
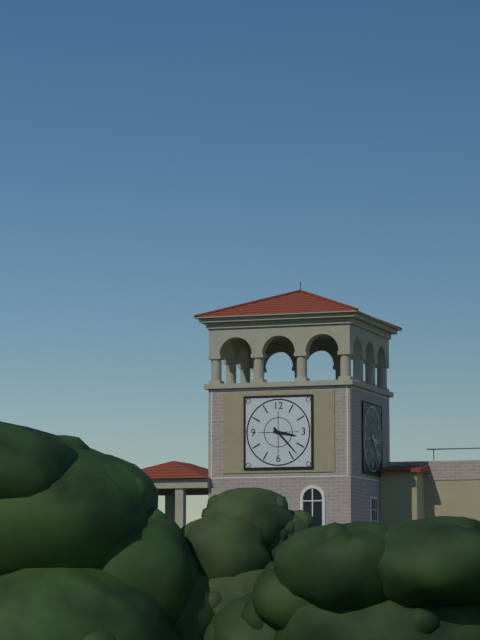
3 h 23 min
